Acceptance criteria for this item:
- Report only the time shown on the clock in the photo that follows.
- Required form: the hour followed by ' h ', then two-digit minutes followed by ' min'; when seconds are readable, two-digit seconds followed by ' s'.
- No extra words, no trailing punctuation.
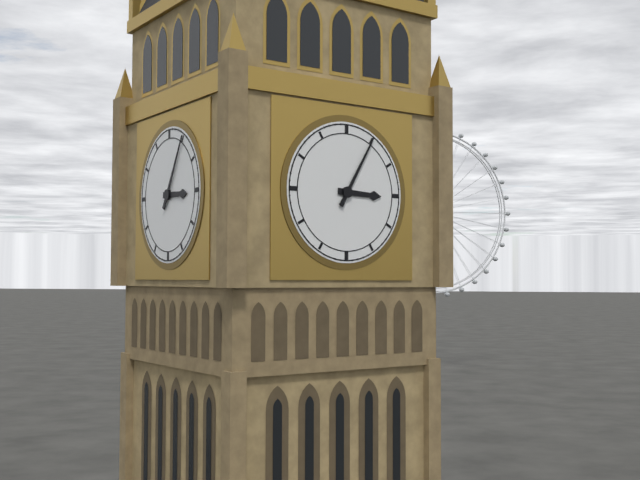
3 h 05 min
